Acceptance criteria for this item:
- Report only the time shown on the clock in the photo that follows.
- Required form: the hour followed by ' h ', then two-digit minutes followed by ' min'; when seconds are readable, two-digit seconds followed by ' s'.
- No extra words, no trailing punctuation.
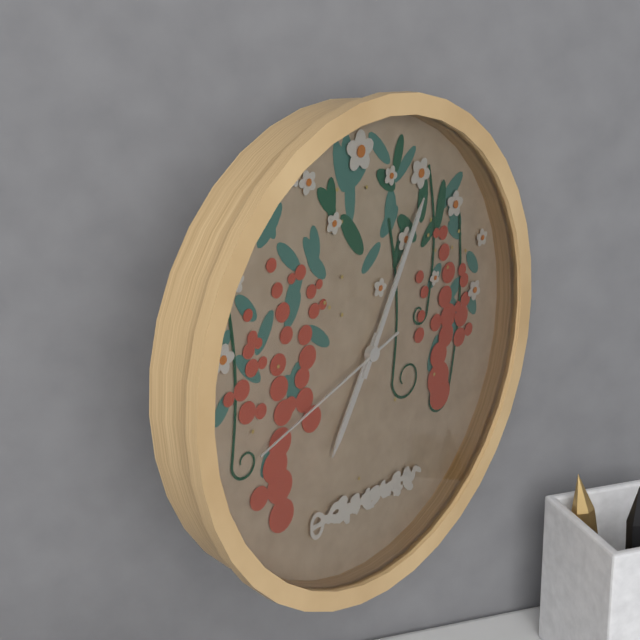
7 h 05 min 42 s
